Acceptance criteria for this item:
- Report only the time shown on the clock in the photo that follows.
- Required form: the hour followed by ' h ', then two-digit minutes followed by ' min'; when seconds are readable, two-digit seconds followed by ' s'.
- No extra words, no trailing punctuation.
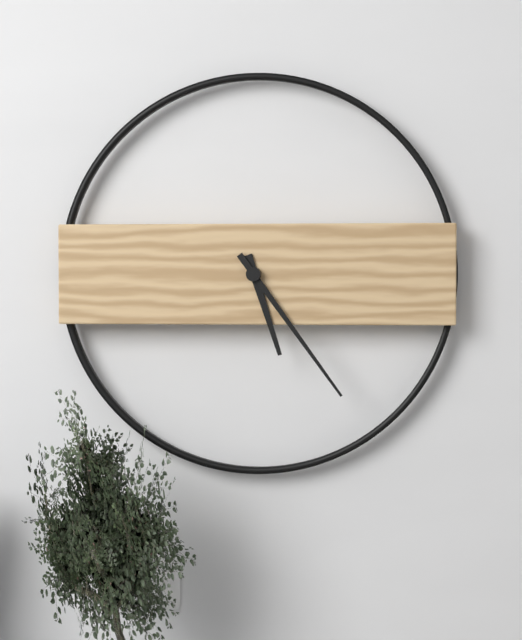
5 h 24 min
